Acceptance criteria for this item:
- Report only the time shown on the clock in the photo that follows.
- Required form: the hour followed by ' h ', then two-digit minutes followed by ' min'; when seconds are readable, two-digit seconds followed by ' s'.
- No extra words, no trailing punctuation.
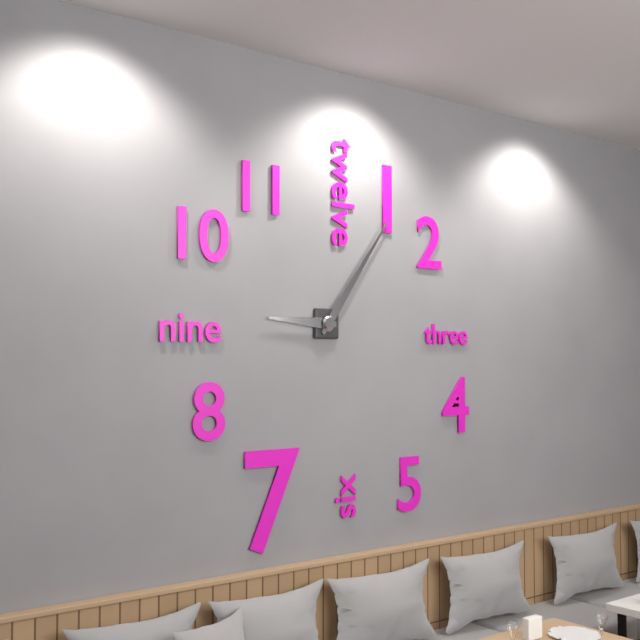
9 h 06 min
